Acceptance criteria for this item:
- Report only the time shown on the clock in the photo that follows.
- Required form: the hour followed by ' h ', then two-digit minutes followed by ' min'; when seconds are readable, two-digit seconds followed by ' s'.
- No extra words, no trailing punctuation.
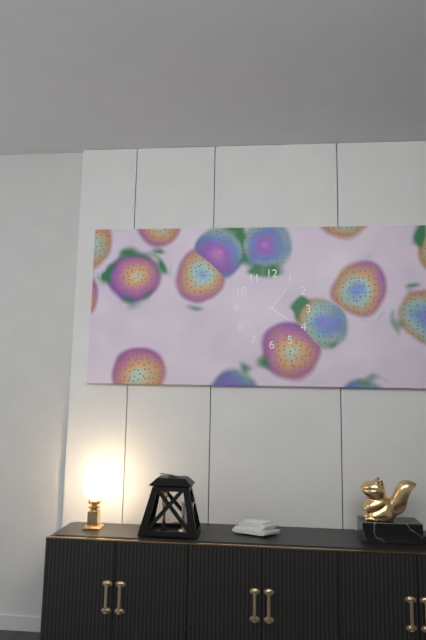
4 h 06 min
